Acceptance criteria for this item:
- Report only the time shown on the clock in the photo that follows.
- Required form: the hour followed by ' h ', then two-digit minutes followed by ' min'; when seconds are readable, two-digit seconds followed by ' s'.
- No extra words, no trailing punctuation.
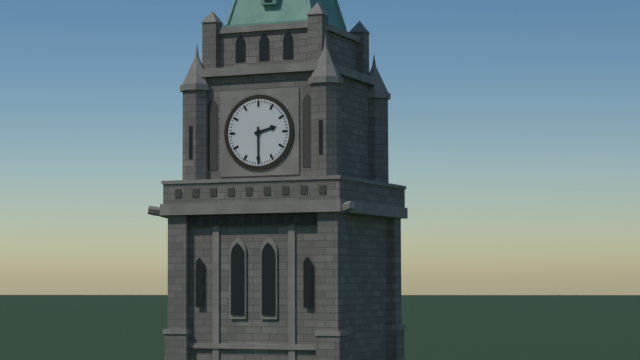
2 h 30 min
